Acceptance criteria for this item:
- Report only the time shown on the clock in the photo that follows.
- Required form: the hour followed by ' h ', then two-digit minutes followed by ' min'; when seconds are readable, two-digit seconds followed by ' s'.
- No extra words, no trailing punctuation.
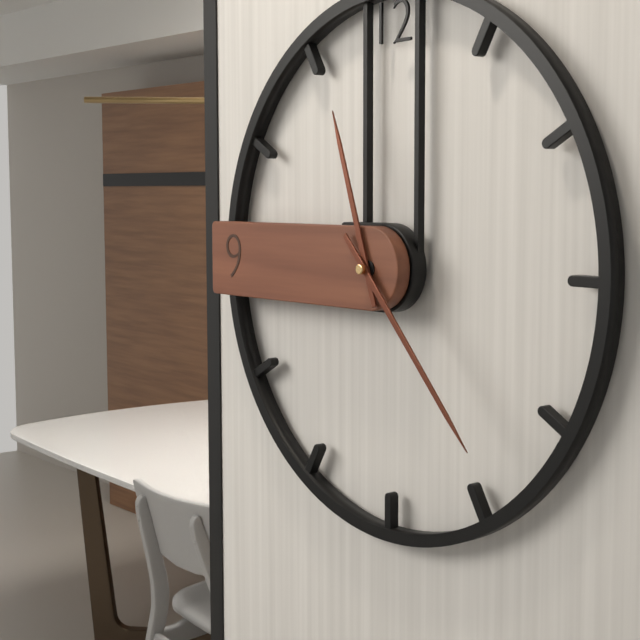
11 h 23 min
